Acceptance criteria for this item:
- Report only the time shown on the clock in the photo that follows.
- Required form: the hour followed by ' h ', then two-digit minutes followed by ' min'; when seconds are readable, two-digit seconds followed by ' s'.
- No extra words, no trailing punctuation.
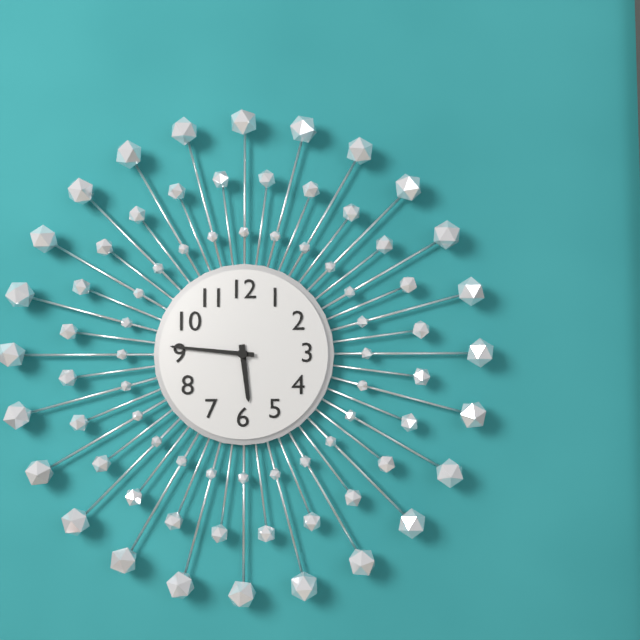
5 h 46 min
